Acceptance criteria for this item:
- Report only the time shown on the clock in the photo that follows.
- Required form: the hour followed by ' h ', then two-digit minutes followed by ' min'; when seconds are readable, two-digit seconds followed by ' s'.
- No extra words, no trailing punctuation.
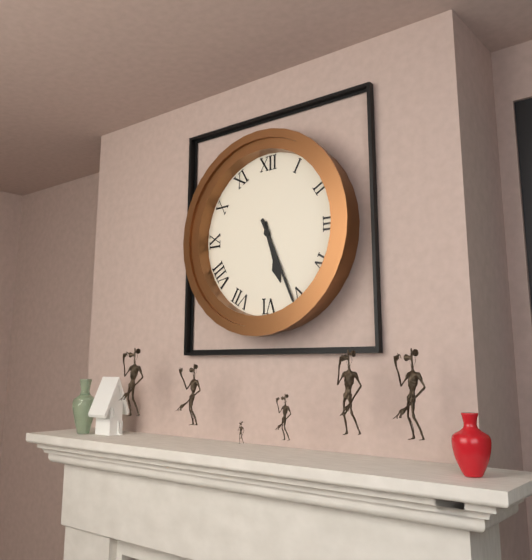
5 h 26 min
